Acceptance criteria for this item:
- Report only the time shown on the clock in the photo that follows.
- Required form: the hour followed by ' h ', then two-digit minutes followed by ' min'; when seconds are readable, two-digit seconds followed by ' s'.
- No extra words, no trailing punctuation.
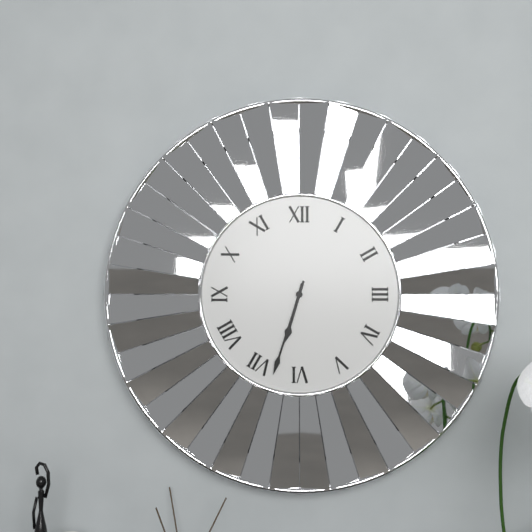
6 h 33 min
